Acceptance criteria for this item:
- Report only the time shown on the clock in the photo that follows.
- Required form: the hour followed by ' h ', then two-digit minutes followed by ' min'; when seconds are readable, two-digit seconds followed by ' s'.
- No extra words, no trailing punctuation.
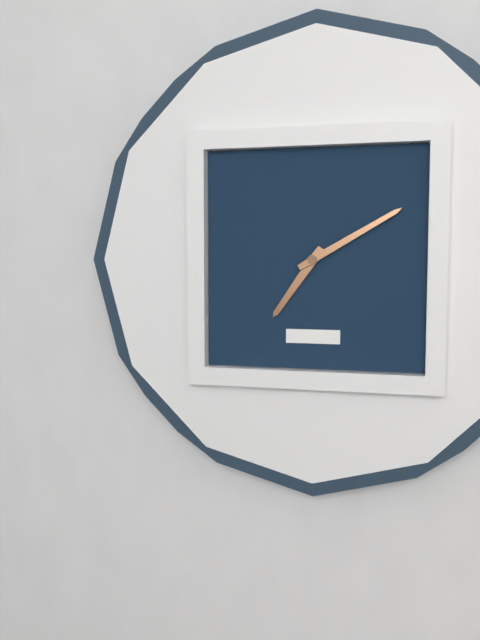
7 h 10 min
